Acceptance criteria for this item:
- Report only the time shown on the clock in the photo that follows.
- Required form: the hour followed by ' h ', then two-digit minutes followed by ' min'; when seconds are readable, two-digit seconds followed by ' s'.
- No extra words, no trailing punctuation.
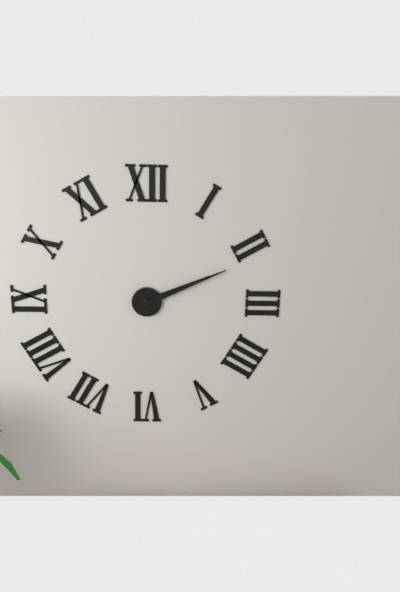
2 h 11 min
